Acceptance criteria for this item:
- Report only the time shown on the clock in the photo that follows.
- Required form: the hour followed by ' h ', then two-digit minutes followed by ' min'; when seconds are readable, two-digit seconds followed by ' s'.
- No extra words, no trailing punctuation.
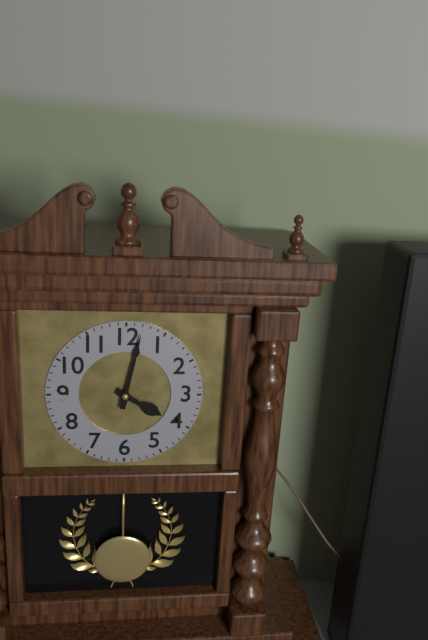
4 h 02 min
